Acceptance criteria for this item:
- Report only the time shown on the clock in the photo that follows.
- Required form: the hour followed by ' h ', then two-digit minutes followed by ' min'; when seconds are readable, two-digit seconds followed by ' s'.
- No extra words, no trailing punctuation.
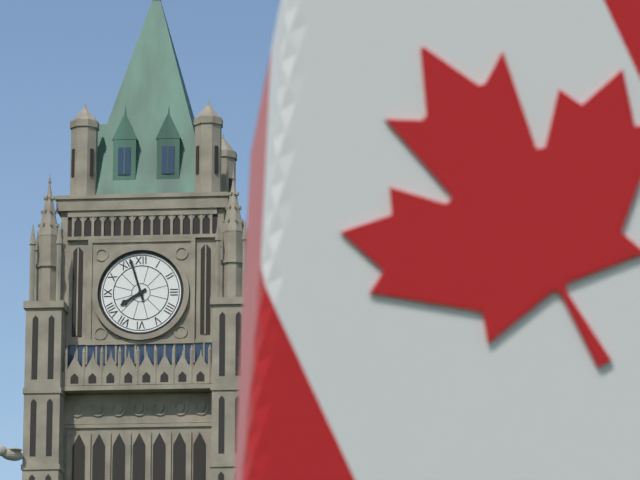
7 h 57 min
